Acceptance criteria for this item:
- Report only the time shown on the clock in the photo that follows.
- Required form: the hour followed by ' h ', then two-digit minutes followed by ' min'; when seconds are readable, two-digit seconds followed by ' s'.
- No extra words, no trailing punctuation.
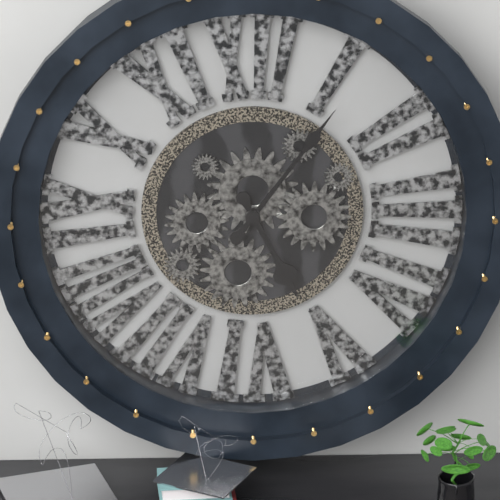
5 h 06 min
